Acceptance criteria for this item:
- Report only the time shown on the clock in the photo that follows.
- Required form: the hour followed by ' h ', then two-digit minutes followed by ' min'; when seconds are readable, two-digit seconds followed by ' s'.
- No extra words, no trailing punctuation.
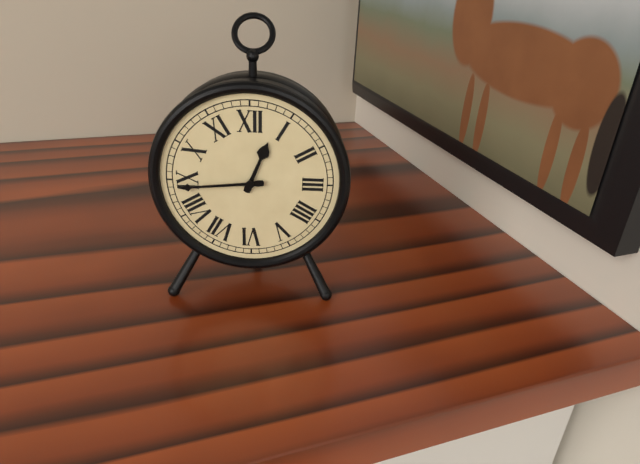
12 h 44 min
